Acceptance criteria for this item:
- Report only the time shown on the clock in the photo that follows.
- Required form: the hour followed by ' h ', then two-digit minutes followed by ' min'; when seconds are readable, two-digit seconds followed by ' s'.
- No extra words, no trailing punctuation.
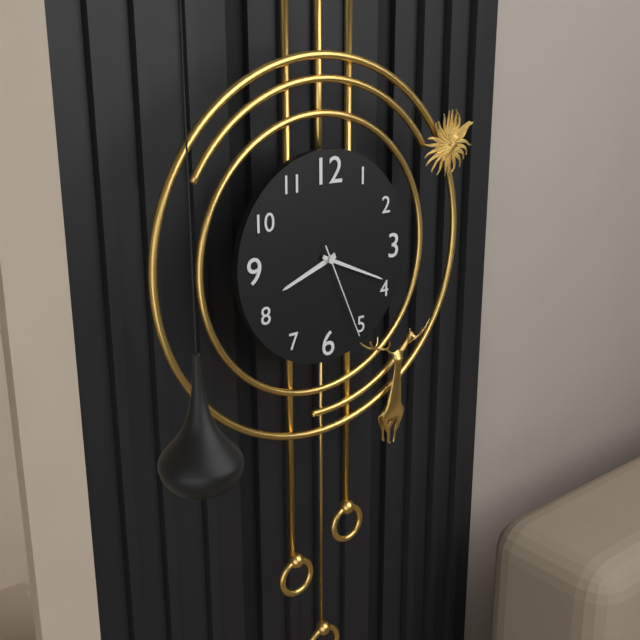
8 h 19 min 26 s
